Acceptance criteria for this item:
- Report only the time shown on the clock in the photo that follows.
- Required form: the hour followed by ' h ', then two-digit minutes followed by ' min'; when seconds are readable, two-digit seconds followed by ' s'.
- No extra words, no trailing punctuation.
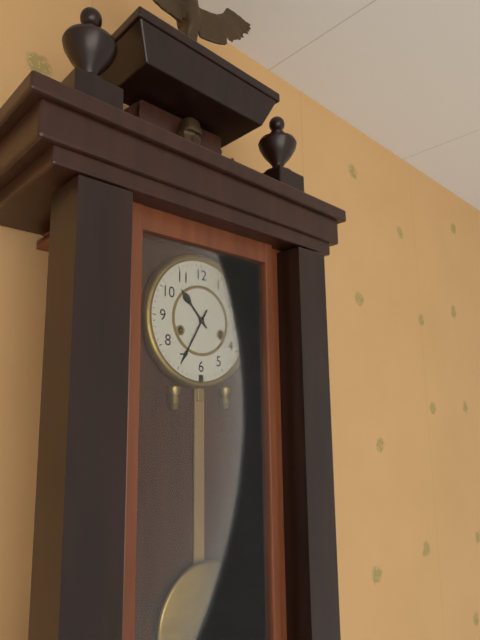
10 h 35 min
